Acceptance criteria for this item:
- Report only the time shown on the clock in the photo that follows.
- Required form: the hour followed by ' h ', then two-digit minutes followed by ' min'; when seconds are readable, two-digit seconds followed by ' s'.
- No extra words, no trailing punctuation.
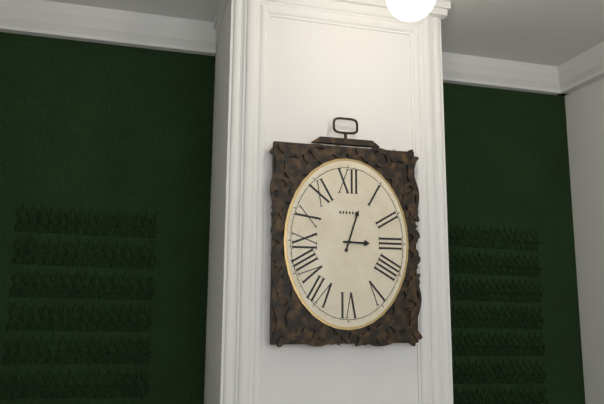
3 h 03 min
